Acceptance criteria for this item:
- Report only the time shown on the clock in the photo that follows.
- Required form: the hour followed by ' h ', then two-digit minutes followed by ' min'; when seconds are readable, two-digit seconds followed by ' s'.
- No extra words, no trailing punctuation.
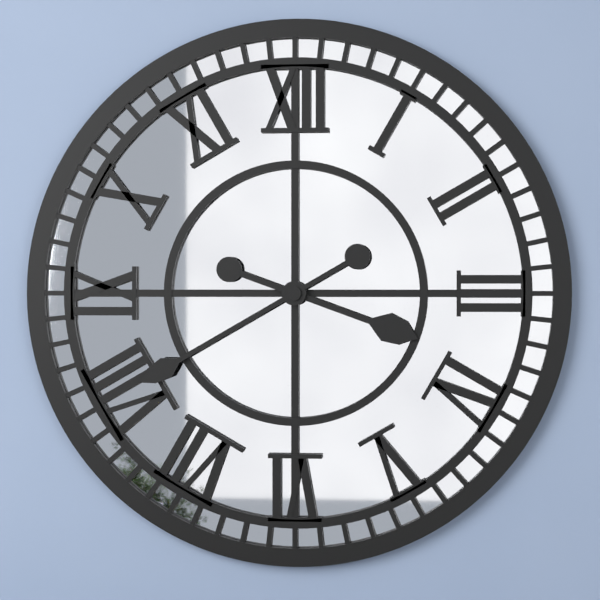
3 h 40 min
